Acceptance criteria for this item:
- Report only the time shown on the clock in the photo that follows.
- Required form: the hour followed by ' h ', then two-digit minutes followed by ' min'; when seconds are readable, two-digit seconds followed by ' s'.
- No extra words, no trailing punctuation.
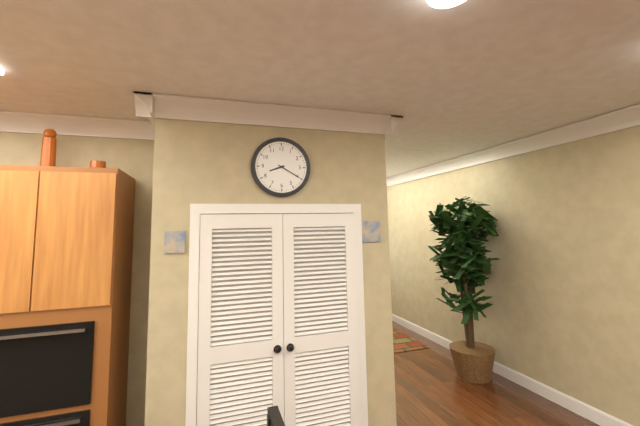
8 h 20 min
